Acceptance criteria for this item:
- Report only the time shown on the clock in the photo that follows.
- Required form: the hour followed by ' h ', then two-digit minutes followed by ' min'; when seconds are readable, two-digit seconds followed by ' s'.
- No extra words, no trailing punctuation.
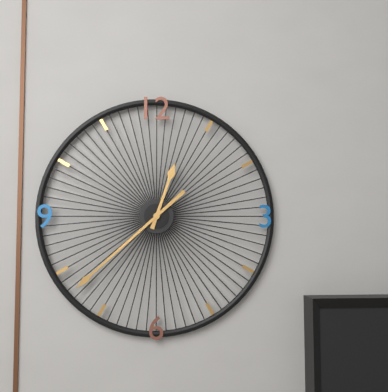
12 h 38 min
